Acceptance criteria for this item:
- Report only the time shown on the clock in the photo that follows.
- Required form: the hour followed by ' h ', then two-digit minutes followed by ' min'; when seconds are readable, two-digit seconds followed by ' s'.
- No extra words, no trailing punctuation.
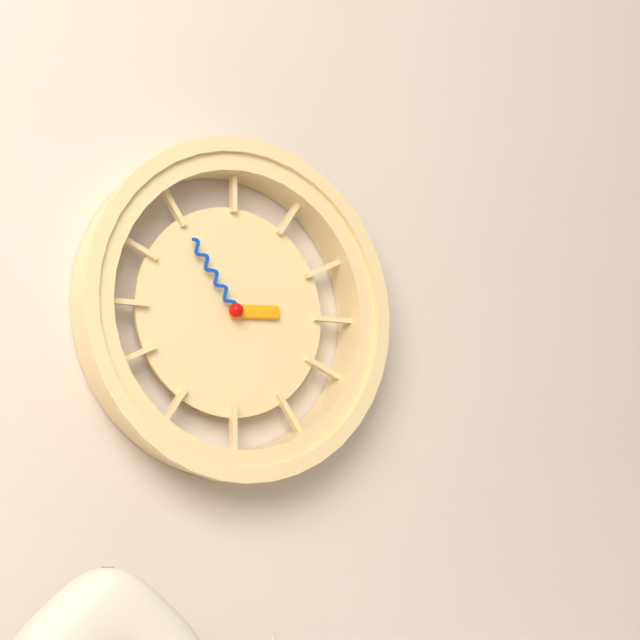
2 h 54 min
